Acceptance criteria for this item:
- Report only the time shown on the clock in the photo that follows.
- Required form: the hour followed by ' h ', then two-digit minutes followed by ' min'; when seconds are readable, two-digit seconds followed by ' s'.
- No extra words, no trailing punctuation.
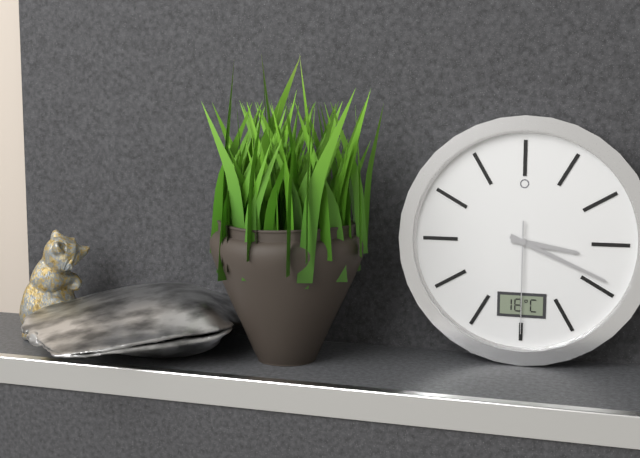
3 h 19 min 30 s
